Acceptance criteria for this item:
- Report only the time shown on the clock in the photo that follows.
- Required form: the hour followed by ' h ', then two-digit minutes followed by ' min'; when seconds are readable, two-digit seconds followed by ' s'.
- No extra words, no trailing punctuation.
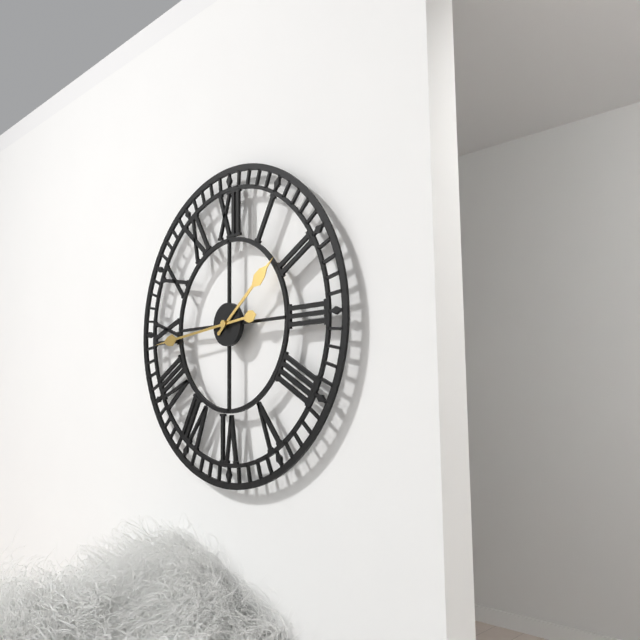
1 h 44 min
